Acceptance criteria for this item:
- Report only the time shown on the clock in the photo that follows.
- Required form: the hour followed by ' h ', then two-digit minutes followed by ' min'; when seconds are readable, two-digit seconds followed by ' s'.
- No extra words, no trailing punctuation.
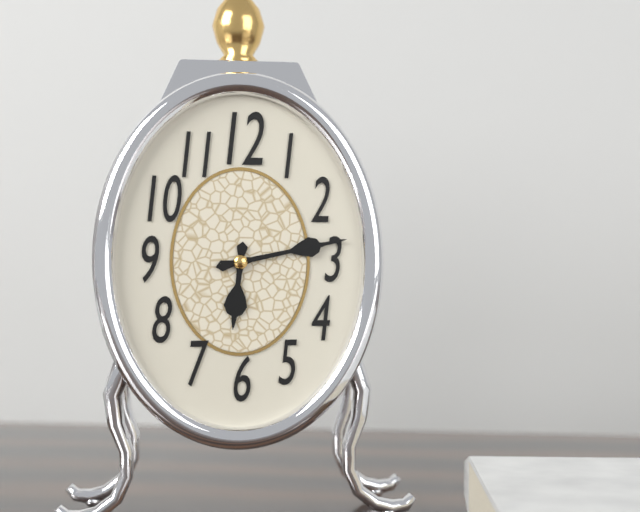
6 h 13 min
